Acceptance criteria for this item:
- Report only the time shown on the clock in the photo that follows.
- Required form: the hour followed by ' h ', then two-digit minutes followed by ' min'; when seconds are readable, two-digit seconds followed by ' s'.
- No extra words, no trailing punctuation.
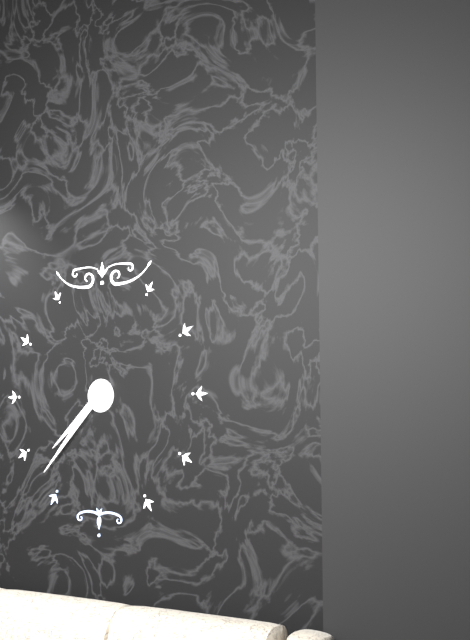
7 h 37 min
